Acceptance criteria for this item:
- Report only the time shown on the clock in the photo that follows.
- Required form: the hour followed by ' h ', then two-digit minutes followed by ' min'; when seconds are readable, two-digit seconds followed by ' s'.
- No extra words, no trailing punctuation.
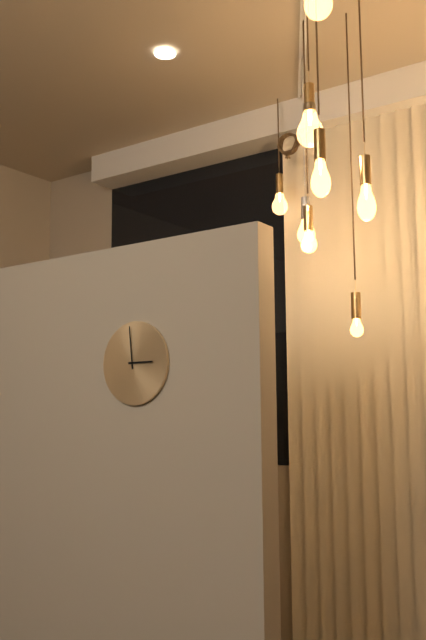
2 h 59 min
